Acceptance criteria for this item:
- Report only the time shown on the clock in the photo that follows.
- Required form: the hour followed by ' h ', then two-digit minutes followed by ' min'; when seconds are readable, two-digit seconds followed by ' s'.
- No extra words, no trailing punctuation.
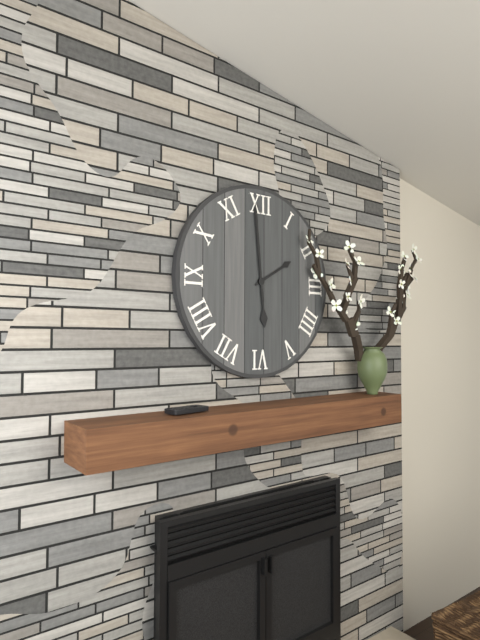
1 h 59 min
